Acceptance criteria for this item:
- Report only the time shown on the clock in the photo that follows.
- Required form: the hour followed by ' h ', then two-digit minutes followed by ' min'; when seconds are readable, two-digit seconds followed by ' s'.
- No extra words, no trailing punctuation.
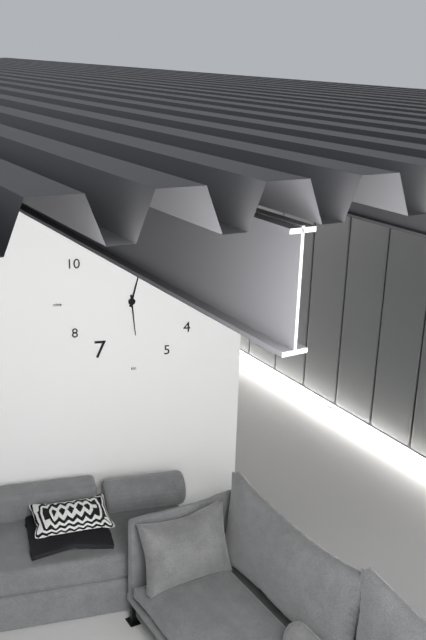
12 h 29 min
